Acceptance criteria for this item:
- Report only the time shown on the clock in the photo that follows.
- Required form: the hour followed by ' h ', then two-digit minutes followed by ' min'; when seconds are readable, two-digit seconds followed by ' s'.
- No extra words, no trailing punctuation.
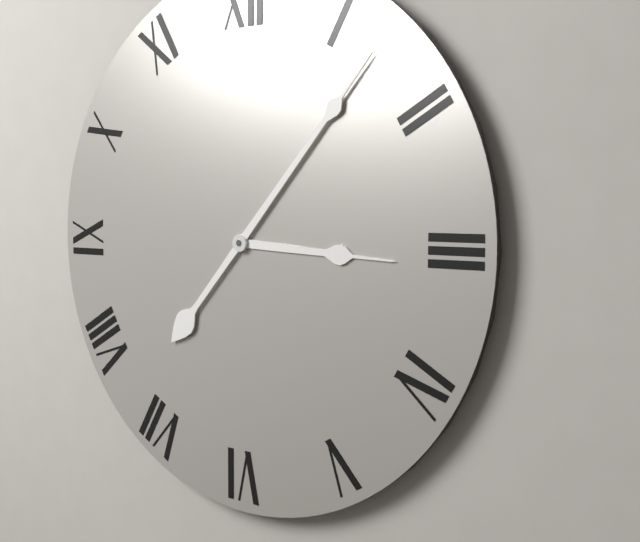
3 h 07 min
